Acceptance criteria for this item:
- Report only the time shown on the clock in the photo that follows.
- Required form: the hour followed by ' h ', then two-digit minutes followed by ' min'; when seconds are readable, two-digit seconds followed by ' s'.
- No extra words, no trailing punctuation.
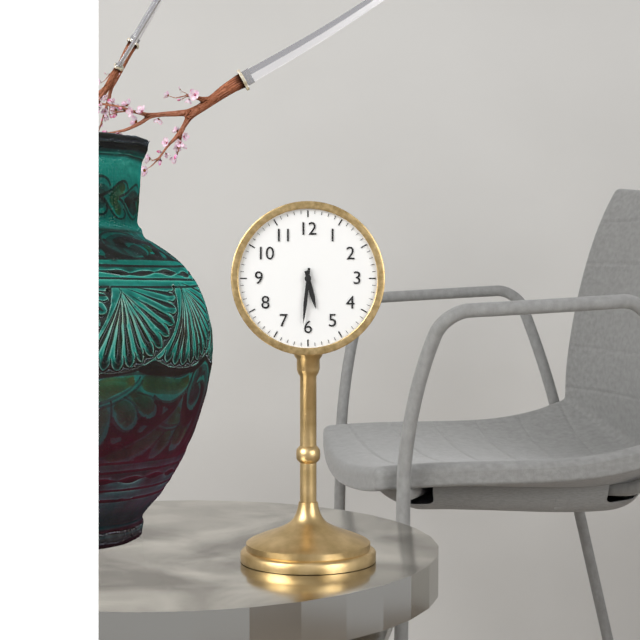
5 h 31 min
